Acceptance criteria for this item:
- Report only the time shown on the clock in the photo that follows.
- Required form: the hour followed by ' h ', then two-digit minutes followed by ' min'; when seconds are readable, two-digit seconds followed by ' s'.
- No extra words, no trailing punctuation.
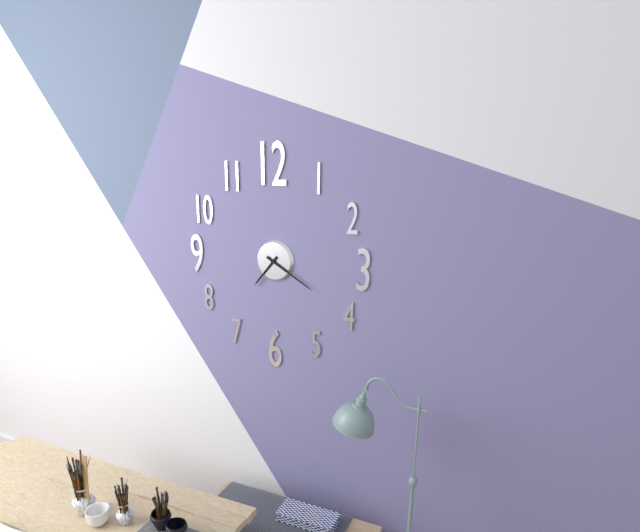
7 h 20 min
